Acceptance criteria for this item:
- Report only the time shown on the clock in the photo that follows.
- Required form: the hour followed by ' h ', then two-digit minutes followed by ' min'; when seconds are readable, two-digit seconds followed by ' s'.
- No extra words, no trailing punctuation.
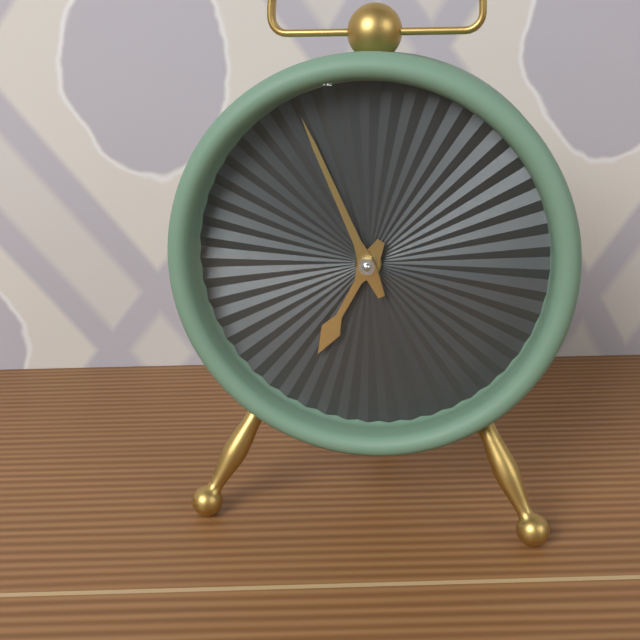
6 h 56 min
